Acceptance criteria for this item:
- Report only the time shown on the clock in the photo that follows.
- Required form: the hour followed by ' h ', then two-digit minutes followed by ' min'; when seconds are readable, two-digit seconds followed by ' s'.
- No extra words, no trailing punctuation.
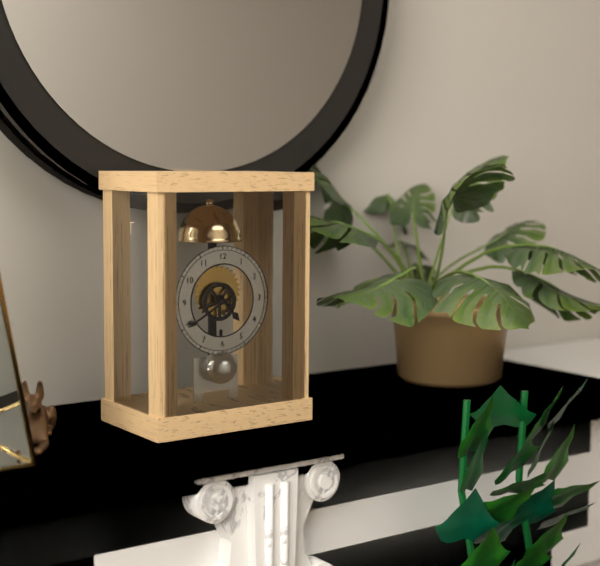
4 h 40 min
